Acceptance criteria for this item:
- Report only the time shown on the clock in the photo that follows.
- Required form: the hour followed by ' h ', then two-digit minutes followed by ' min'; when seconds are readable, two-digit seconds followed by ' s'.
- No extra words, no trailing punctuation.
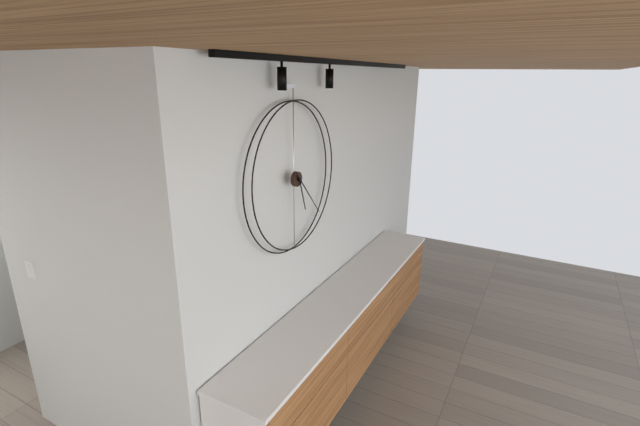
5 h 23 min
